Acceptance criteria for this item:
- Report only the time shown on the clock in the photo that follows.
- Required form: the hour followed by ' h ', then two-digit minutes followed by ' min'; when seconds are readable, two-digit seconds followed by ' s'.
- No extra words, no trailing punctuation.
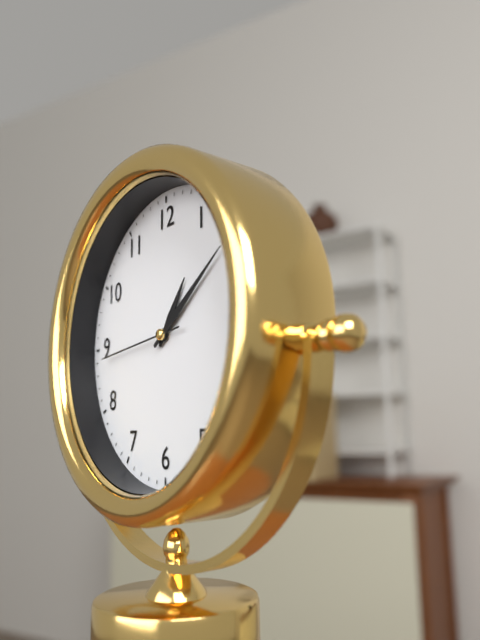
1 h 09 min 44 s
